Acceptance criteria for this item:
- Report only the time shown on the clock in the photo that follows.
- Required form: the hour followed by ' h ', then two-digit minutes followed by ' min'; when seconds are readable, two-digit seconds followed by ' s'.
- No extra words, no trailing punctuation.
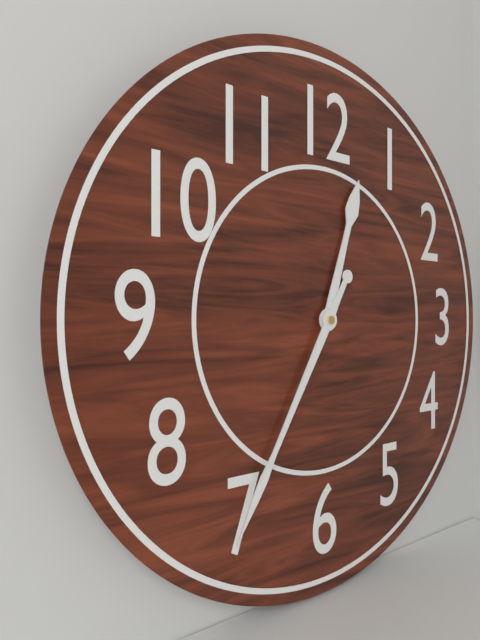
12 h 35 min
